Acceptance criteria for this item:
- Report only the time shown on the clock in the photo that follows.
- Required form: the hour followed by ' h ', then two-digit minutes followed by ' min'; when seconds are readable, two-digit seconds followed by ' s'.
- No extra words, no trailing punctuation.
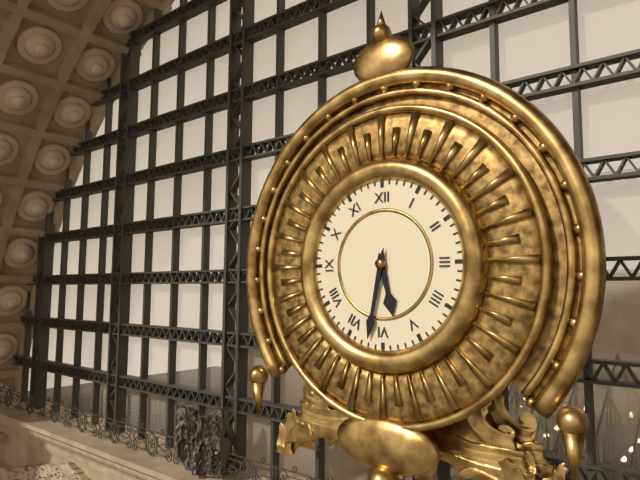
5 h 32 min
